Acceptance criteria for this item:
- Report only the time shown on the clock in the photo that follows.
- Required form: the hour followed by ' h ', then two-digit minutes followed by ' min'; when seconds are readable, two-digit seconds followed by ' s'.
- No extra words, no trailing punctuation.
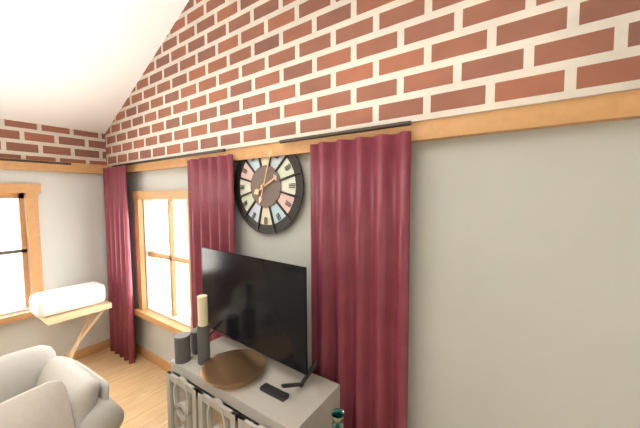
2 h 03 min
